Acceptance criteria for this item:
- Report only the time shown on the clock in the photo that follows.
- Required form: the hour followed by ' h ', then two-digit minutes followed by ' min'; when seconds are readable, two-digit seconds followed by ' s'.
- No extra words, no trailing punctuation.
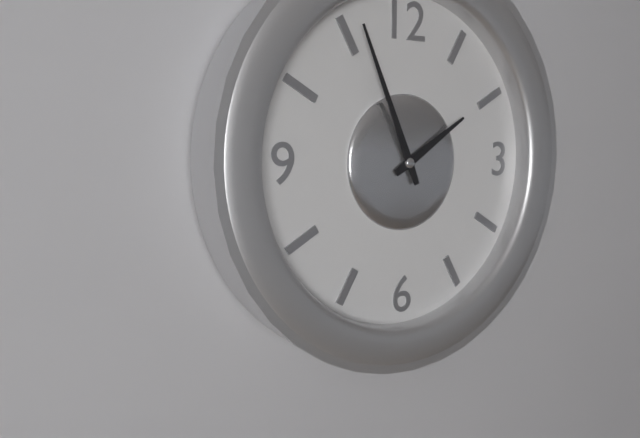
1 h 56 min
